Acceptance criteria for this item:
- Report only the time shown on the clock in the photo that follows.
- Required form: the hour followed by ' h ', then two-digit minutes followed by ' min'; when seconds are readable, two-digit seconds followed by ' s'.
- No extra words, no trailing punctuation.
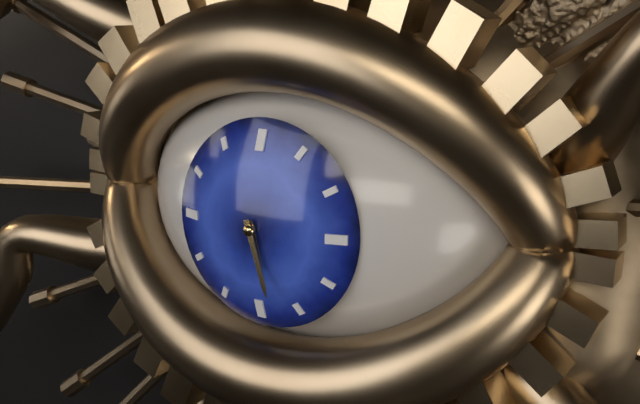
5 h 27 min
